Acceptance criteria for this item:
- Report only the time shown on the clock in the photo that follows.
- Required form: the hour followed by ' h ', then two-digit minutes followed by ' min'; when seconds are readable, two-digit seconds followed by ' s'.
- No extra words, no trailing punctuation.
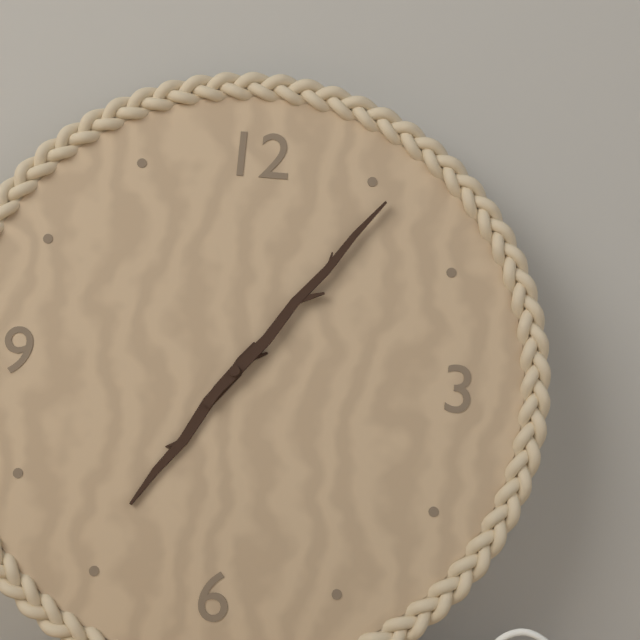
7 h 06 min
